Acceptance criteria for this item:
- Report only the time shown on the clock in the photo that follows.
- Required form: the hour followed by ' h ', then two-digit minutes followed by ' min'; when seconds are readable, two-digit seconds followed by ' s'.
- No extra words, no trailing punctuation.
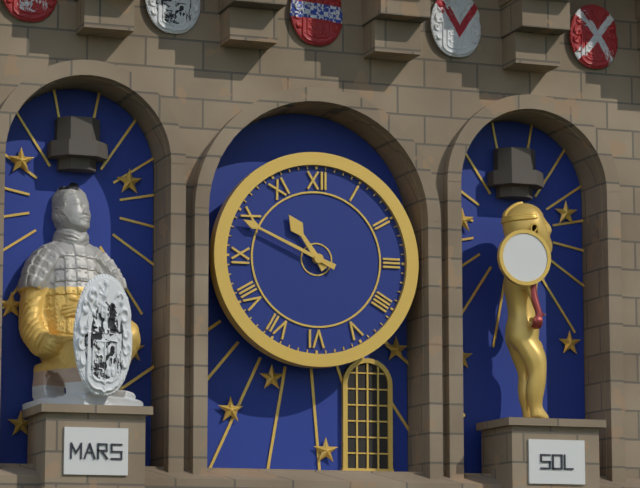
10 h 49 min
